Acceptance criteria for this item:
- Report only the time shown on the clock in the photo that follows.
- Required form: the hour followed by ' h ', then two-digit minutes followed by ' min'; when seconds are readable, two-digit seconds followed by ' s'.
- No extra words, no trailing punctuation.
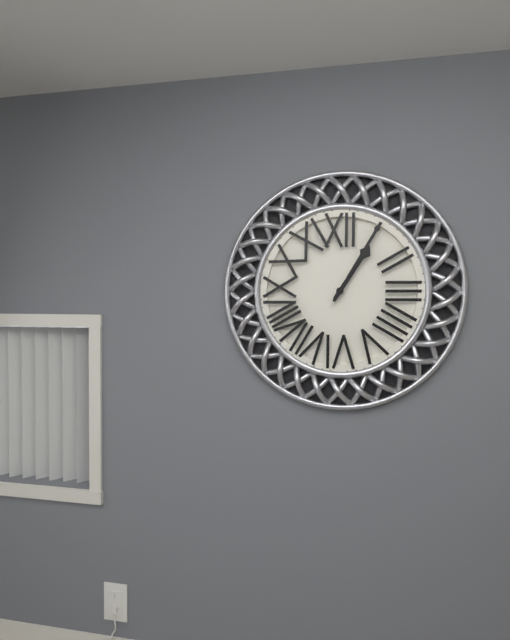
1 h 05 min
